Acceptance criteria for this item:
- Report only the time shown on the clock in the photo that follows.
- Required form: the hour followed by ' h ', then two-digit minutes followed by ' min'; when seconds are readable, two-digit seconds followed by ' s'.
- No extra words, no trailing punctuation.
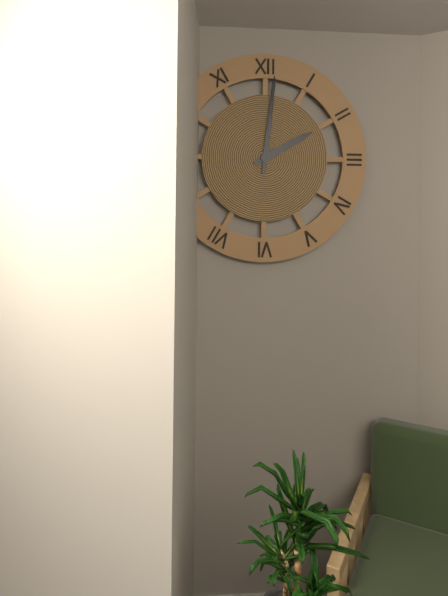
2 h 01 min
